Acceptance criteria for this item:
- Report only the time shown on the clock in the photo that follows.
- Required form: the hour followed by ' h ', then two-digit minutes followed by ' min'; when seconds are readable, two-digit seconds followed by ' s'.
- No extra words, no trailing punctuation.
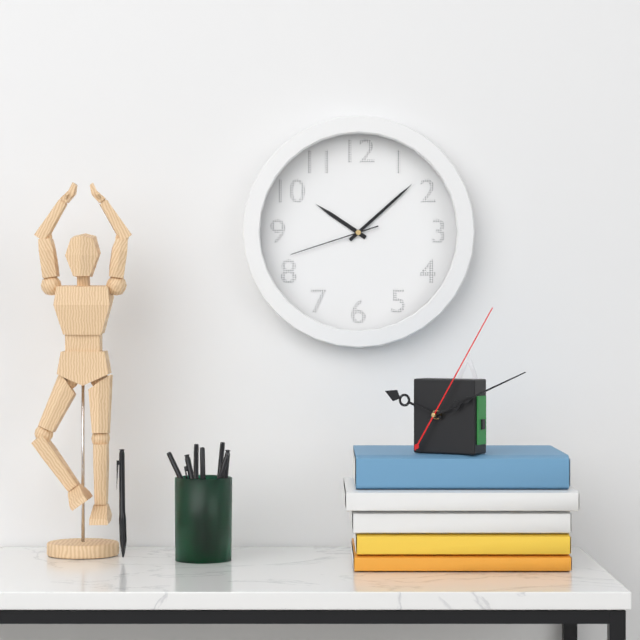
10 h 08 min 42 s
